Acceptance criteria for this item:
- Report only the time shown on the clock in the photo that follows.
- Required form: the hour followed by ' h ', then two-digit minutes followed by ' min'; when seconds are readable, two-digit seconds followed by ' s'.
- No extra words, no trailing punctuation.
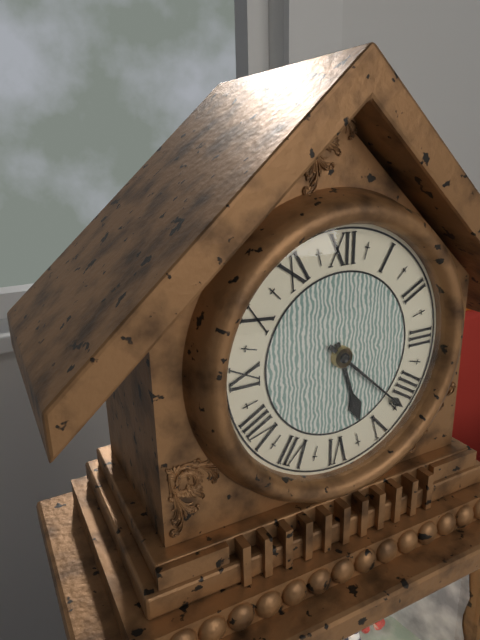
5 h 22 min
